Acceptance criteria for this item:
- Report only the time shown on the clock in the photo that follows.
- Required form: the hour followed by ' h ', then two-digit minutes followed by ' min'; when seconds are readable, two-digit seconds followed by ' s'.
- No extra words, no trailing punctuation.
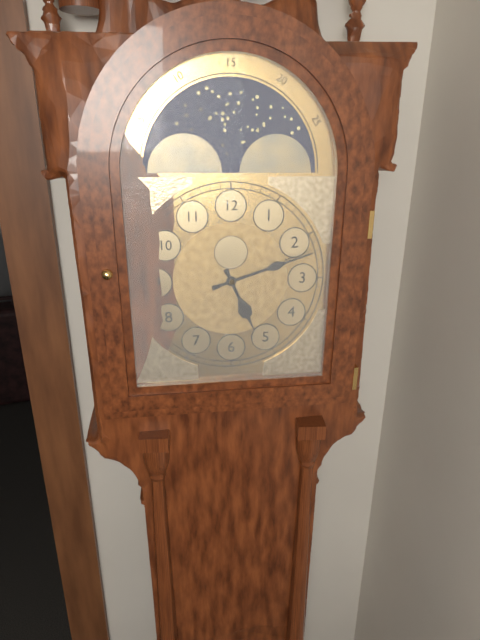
5 h 12 min
